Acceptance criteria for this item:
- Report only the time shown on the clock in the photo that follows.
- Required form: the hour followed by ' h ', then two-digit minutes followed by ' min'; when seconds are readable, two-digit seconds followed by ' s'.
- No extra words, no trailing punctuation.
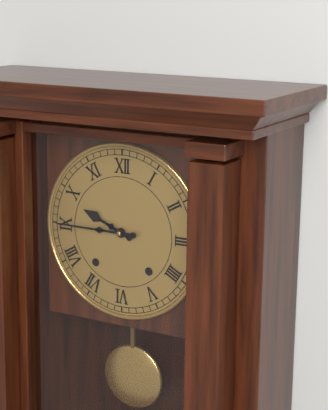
9 h 45 min
